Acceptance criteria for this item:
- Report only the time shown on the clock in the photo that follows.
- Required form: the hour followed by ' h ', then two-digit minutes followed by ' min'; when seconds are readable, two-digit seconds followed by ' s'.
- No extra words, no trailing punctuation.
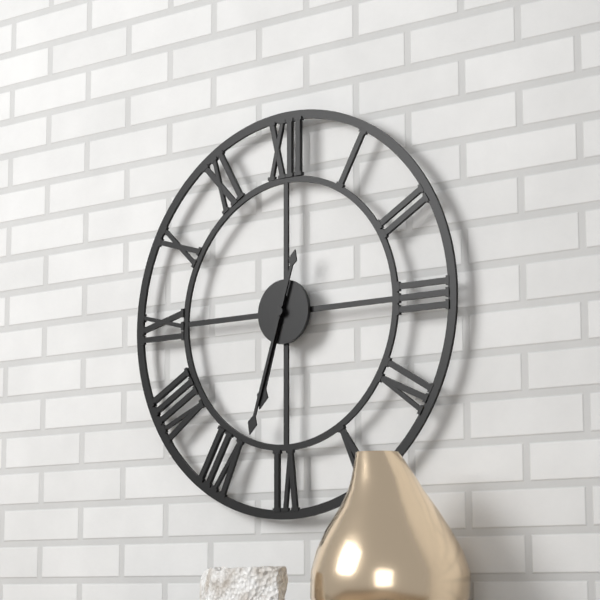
6 h 33 min
